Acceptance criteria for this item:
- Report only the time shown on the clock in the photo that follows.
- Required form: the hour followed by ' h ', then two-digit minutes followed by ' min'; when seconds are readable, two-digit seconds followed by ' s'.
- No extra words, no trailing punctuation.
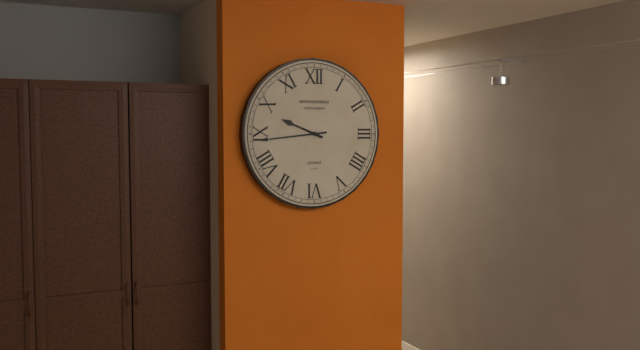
9 h 44 min
